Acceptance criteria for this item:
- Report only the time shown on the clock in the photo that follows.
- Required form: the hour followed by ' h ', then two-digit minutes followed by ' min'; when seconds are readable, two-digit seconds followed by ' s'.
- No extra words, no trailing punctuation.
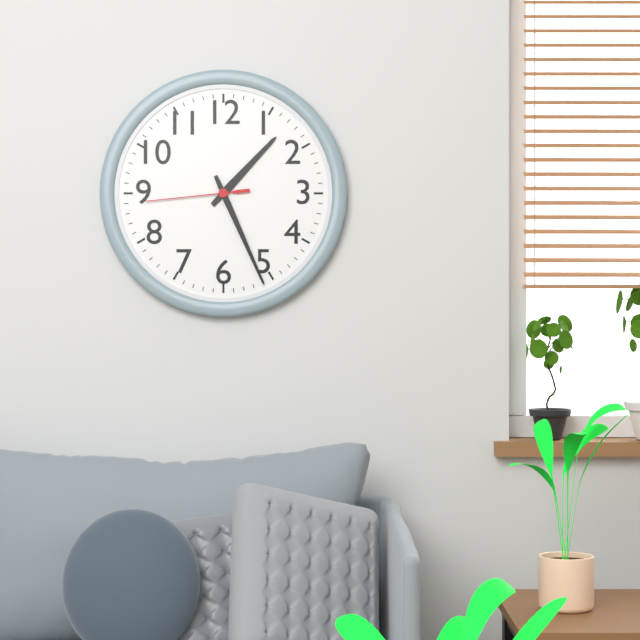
1 h 26 min 44 s
